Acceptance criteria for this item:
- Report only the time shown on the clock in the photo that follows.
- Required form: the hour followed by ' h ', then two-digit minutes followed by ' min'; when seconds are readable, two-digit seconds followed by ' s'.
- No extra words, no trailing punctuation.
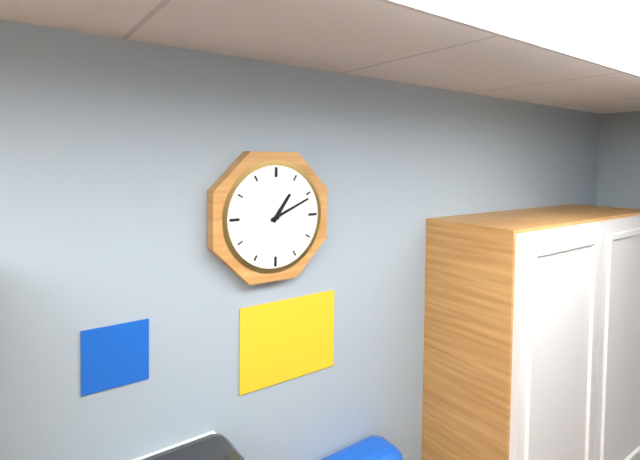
1 h 11 min
